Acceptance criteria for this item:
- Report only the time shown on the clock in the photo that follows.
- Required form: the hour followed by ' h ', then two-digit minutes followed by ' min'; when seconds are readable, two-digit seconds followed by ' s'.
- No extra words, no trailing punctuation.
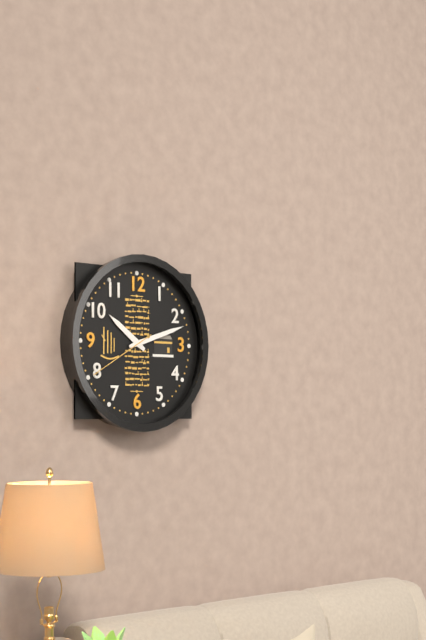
10 h 12 min 40 s
